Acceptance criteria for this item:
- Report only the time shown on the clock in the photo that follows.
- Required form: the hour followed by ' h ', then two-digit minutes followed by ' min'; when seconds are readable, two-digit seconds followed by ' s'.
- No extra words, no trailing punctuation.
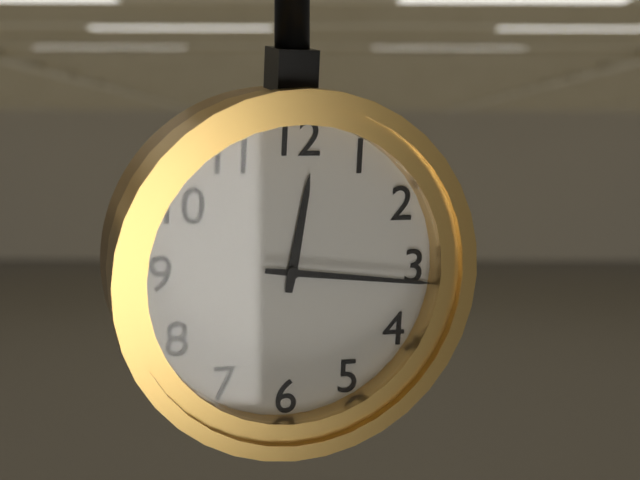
12 h 16 min
